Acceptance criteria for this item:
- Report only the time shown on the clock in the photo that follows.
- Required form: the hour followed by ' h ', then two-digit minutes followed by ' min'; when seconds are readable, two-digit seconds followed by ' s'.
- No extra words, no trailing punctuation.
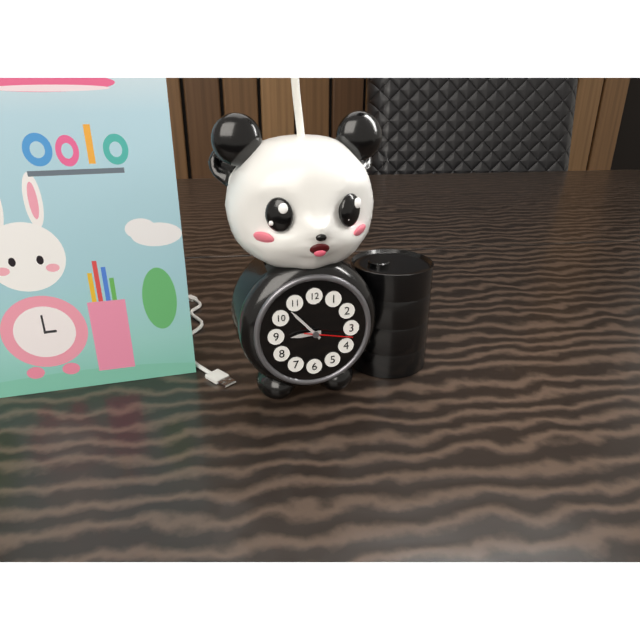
8 h 53 min
